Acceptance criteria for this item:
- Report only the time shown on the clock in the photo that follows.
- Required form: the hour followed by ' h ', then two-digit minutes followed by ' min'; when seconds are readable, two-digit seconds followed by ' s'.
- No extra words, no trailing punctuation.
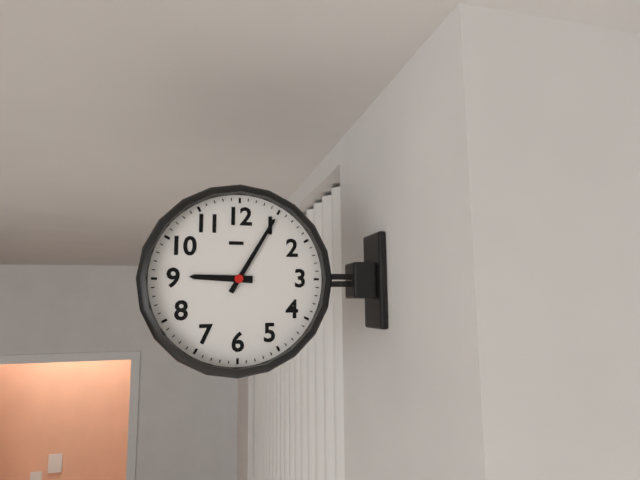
9 h 05 min
